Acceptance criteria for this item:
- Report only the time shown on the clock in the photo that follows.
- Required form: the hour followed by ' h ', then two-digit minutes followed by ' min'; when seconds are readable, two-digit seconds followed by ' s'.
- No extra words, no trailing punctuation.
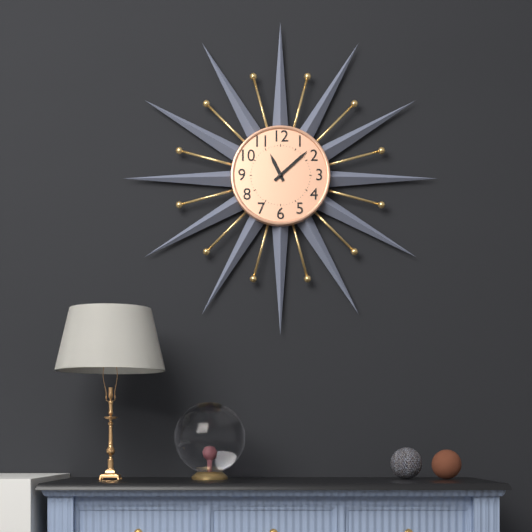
11 h 08 min
